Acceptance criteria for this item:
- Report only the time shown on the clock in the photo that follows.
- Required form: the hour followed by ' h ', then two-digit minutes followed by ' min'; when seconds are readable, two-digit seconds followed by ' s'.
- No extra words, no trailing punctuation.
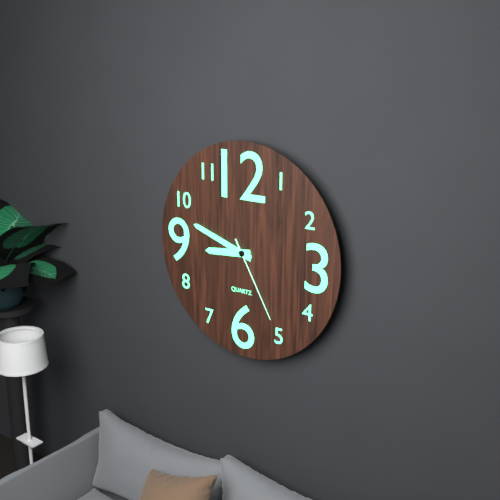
8 h 48 min 25 s
